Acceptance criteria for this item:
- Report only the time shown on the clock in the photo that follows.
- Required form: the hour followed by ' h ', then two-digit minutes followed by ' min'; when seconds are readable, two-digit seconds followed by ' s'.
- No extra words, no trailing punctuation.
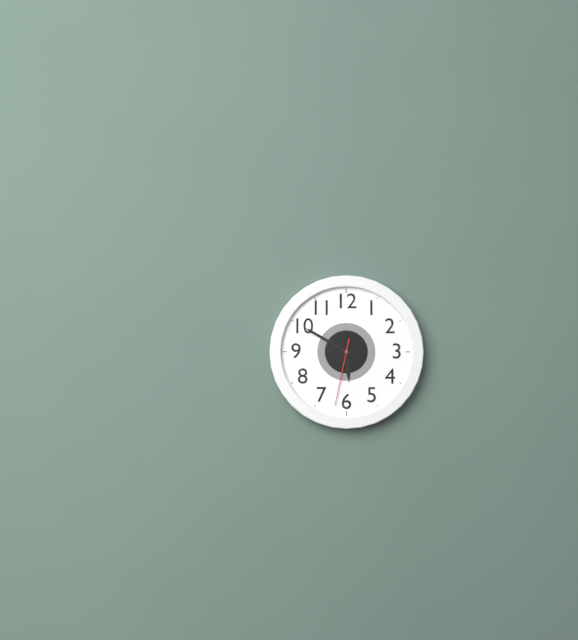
5 h 50 min 32 s
